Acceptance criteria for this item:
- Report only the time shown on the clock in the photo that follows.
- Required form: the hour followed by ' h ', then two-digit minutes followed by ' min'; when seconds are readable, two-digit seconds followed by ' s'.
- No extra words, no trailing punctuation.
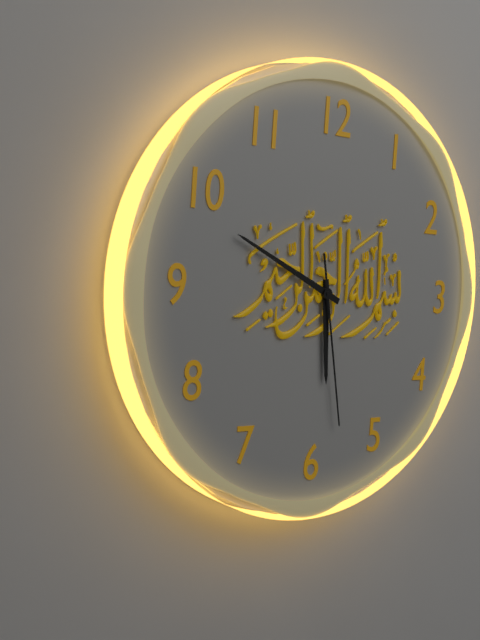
5 h 49 min 28 s
